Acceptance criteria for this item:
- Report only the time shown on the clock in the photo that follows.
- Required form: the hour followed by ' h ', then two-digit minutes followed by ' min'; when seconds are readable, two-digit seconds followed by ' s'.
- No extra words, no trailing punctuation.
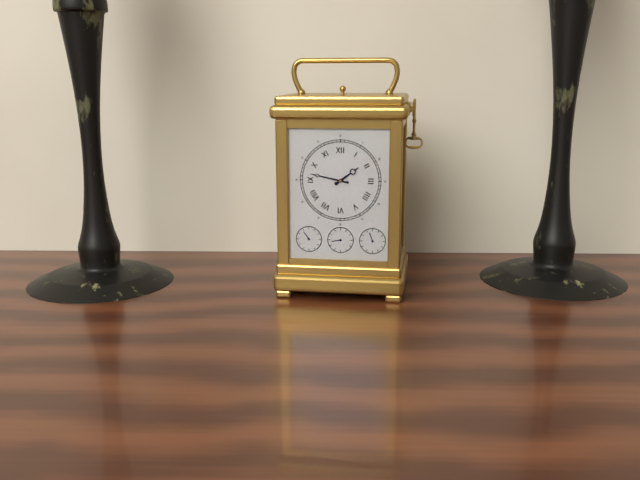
1 h 47 min
